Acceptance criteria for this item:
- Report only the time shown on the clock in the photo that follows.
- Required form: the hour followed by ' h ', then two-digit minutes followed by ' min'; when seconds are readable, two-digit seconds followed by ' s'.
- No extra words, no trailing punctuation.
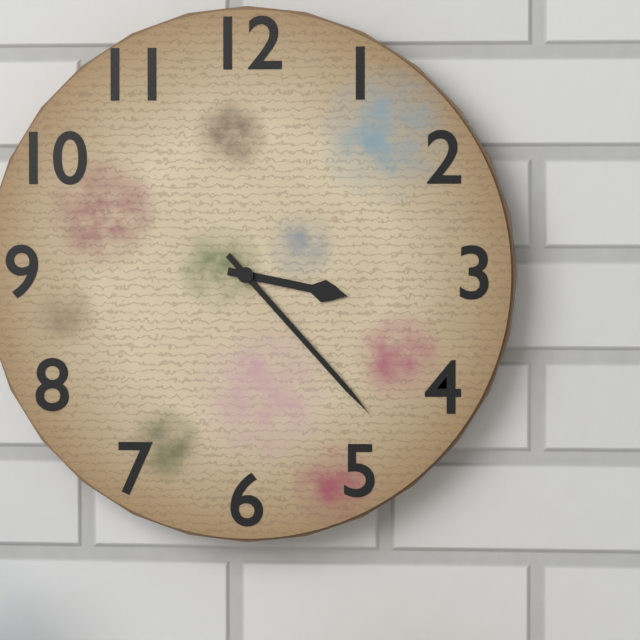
3 h 23 min
